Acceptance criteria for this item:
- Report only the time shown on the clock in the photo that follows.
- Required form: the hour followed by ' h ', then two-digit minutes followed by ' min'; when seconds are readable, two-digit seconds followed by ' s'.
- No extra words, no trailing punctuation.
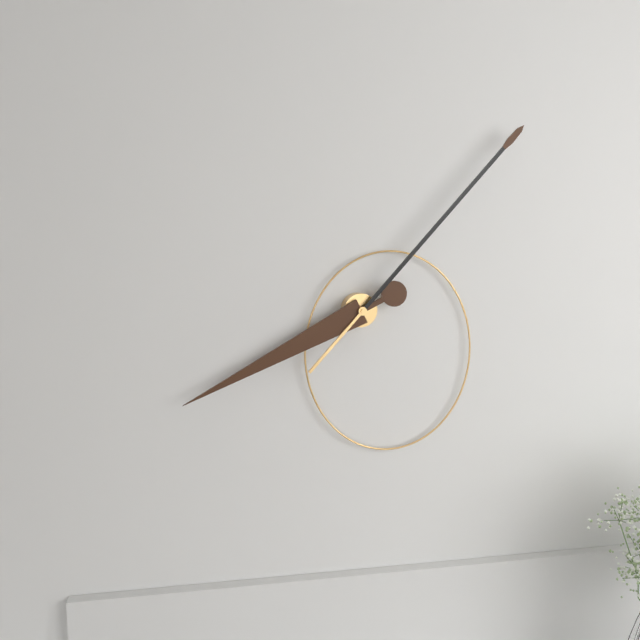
8 h 07 min
